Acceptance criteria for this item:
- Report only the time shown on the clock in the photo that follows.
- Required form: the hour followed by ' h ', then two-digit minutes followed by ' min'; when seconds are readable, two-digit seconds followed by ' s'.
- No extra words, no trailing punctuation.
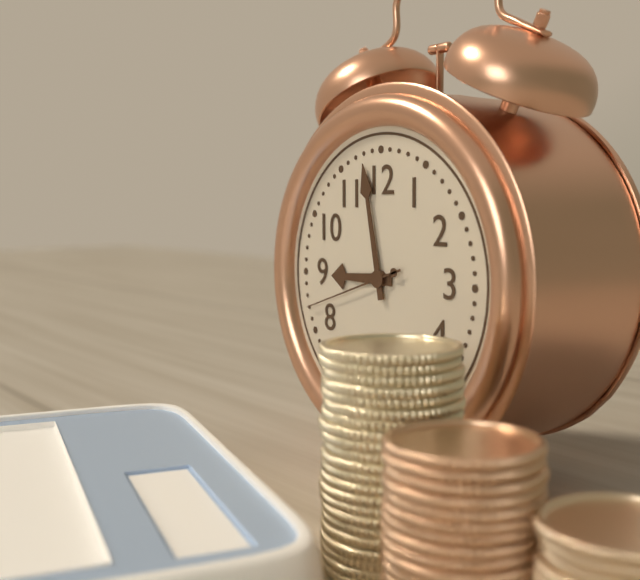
8 h 58 min 42 s
